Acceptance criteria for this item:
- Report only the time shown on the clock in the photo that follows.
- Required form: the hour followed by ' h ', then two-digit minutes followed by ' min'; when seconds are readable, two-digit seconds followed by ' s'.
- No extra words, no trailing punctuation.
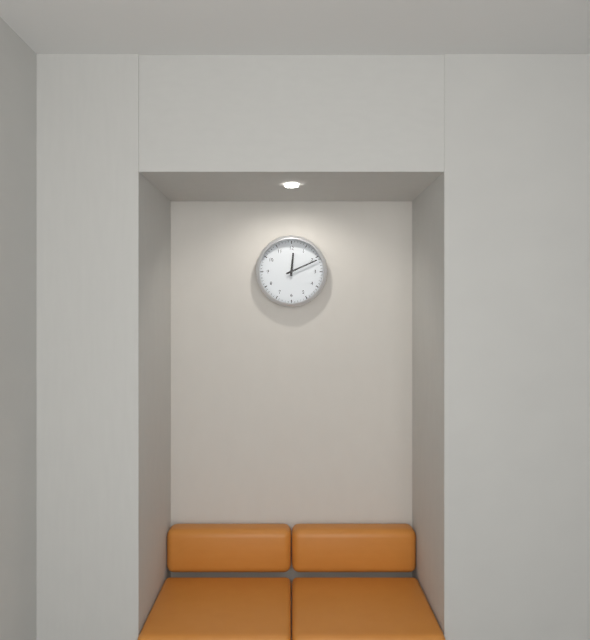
12 h 11 min
